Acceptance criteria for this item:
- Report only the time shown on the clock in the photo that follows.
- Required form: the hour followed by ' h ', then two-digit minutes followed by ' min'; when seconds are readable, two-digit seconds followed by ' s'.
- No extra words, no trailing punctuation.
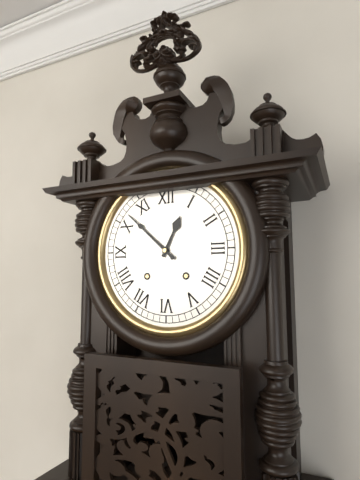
12 h 52 min
